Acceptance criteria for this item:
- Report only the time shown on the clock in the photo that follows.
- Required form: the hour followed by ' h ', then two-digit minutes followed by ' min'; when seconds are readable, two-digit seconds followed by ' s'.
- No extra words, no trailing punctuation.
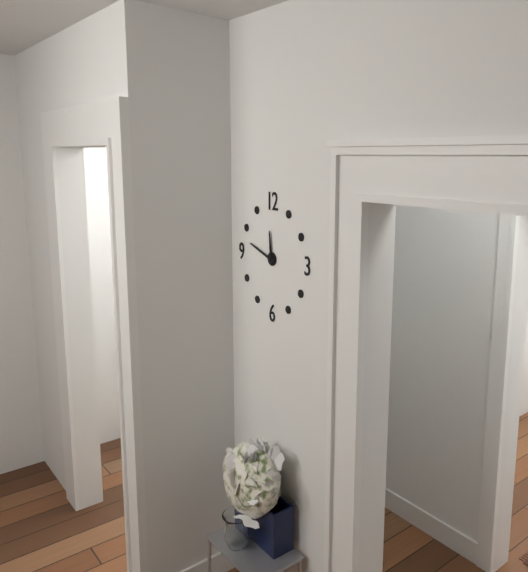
11 h 48 min
